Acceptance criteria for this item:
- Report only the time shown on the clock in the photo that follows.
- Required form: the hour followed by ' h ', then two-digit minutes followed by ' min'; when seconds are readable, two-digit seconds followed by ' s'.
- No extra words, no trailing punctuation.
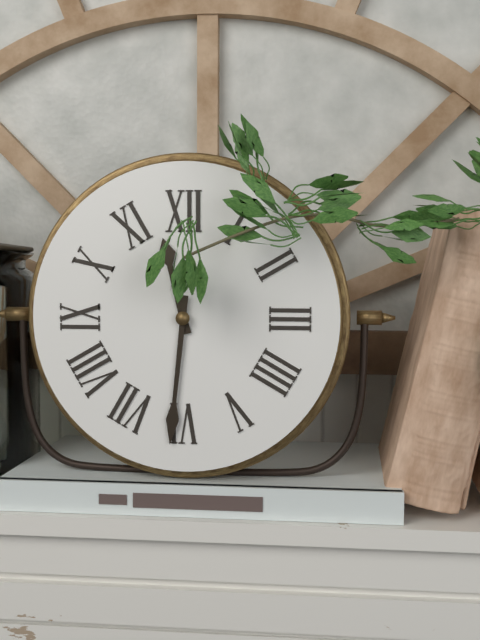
11 h 31 min
